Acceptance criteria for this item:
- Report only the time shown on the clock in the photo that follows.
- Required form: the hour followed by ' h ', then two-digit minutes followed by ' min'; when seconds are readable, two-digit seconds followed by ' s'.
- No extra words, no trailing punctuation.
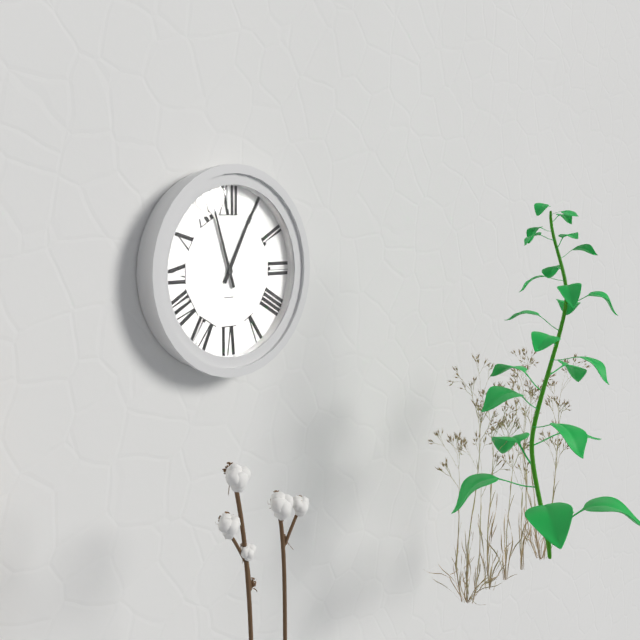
12 h 57 min
